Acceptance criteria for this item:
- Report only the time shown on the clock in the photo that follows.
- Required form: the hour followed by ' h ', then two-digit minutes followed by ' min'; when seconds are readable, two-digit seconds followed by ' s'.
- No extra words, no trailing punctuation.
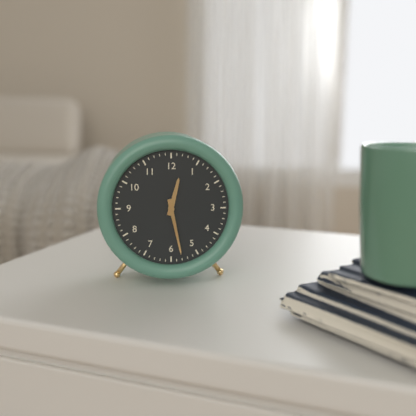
12 h 28 min
